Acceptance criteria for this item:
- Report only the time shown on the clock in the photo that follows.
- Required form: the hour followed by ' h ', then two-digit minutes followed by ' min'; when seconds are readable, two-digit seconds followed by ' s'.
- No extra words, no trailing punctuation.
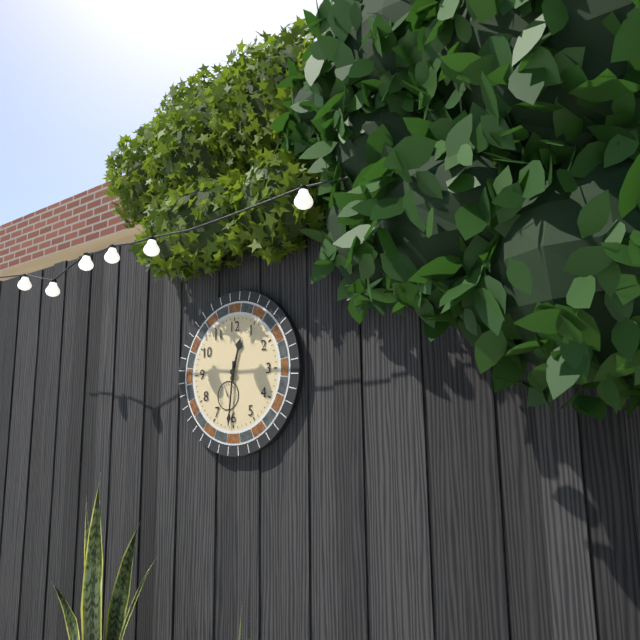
12 h 31 min
